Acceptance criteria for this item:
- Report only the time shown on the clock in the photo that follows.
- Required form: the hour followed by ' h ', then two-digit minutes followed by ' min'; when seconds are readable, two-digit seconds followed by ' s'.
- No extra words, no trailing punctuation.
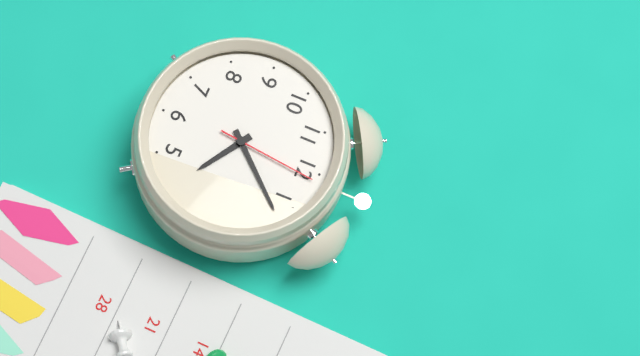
4 h 07 min 01 s
